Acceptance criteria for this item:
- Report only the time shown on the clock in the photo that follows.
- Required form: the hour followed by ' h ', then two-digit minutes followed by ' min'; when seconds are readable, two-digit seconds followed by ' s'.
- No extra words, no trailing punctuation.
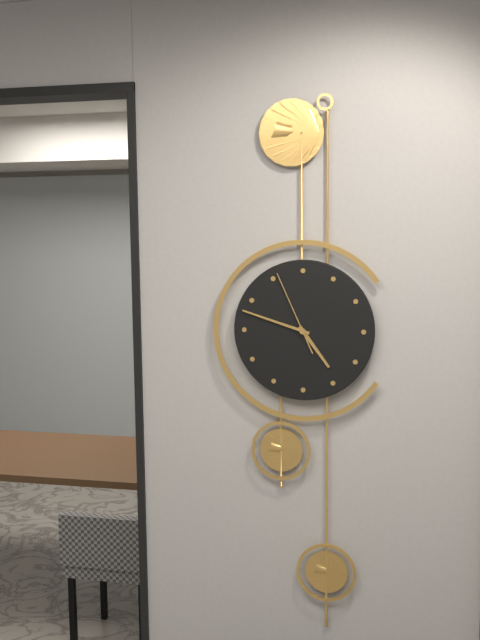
4 h 48 min 56 s
